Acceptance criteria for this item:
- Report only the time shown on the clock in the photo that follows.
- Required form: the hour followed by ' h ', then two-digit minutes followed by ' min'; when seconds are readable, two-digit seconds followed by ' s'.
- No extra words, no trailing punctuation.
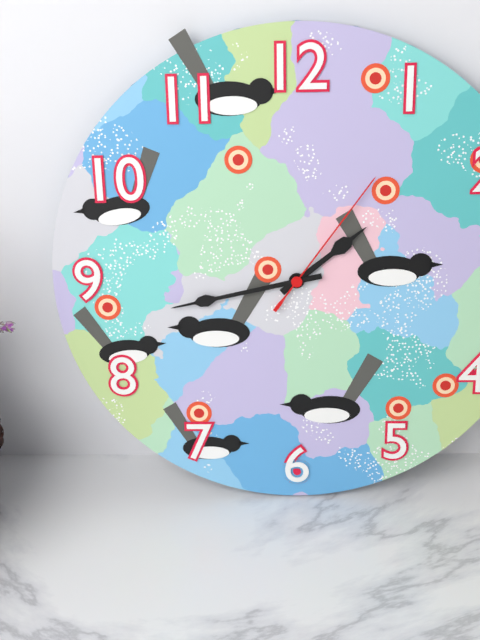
1 h 43 min 06 s
